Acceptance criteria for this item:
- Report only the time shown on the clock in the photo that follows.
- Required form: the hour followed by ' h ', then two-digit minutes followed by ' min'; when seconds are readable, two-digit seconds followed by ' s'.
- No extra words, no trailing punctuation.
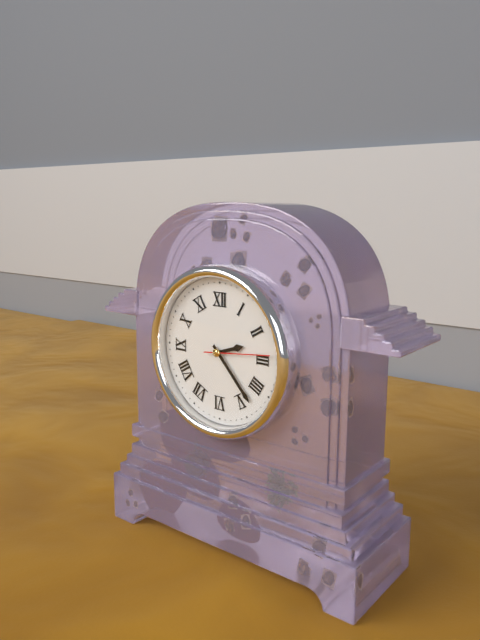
2 h 23 min 14 s
